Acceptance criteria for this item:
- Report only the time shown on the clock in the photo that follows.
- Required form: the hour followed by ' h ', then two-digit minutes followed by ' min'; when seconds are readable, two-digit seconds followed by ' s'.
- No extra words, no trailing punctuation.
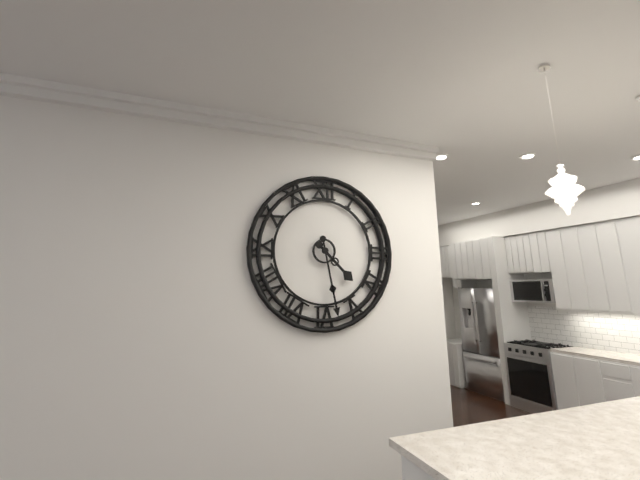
4 h 28 min
